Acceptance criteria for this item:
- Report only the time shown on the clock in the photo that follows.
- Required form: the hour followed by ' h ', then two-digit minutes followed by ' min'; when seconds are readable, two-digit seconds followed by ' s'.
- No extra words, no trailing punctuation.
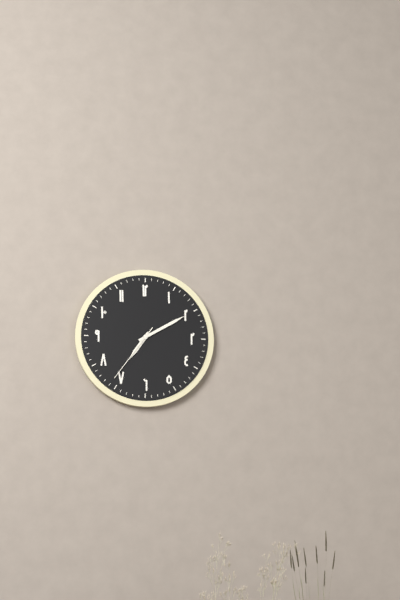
7 h 10 min 36 s
